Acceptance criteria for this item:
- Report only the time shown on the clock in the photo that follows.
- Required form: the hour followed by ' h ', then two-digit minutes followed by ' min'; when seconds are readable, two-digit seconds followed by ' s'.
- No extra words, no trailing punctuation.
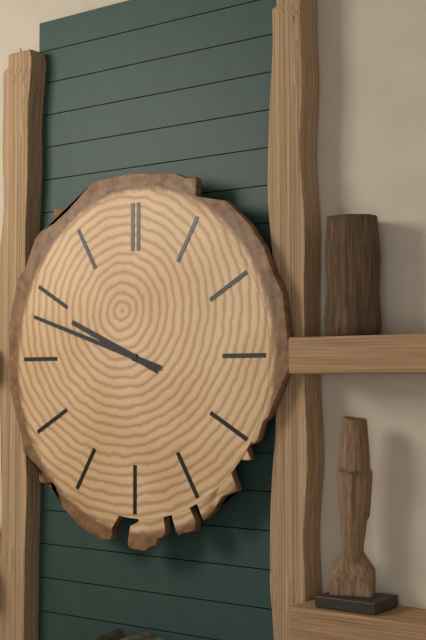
9 h 48 min
